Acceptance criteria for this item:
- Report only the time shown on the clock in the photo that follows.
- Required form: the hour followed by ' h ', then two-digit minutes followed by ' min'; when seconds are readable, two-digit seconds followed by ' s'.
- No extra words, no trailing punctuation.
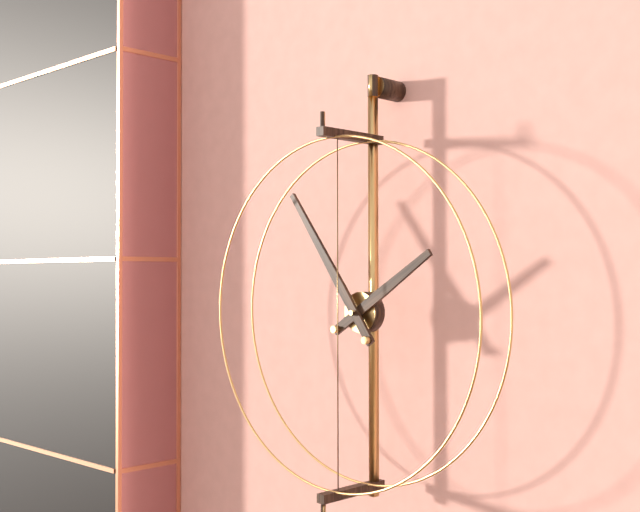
1 h 54 min
